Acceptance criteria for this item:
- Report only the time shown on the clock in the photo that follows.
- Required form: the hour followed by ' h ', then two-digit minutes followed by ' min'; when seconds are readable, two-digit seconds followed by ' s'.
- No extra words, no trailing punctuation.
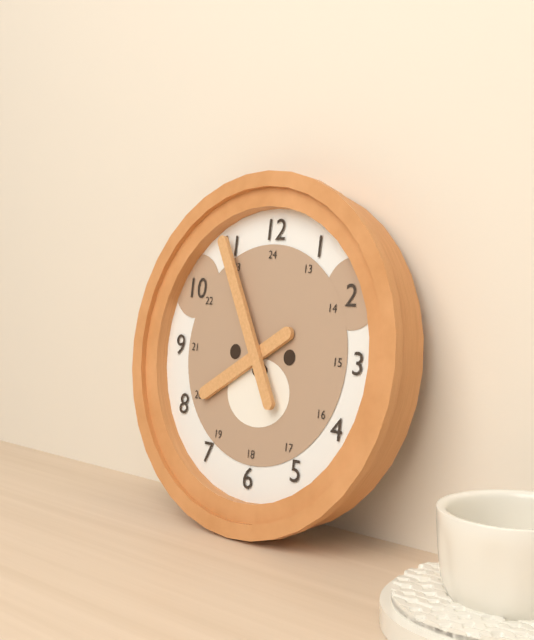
7 h 55 min
